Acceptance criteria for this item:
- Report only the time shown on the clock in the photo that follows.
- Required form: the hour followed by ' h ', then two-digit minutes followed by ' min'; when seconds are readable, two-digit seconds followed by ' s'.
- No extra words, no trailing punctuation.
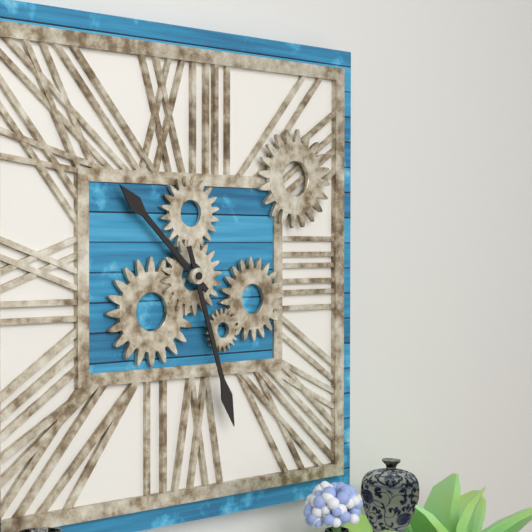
10 h 27 min
